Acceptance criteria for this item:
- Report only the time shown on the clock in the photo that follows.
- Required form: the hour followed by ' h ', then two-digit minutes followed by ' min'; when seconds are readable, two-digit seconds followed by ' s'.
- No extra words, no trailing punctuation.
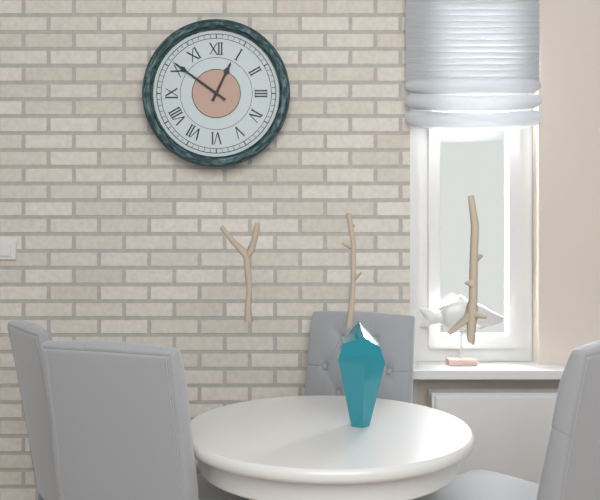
12 h 51 min
